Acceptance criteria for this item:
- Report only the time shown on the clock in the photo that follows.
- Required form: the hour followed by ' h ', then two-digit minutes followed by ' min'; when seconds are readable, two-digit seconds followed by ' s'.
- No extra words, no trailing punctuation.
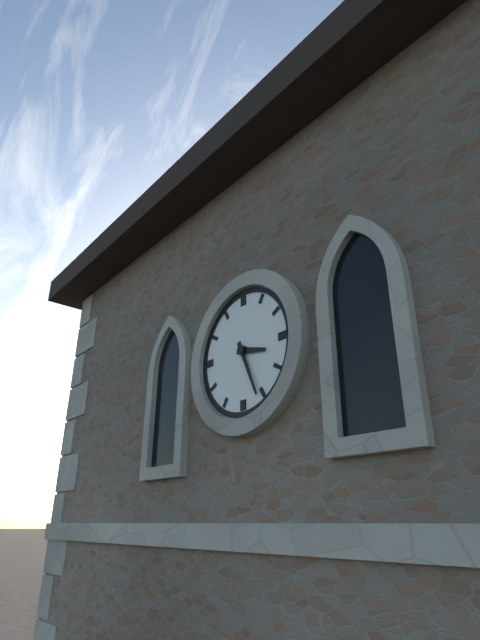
3 h 26 min
